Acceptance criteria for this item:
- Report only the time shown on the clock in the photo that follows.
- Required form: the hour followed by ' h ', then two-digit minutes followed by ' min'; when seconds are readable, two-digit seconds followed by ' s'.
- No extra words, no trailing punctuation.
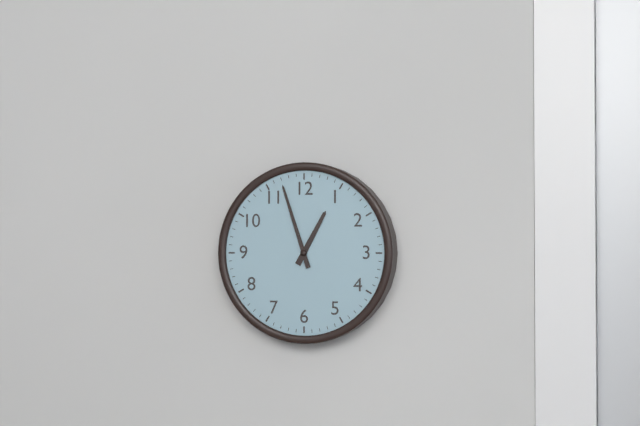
12 h 57 min
